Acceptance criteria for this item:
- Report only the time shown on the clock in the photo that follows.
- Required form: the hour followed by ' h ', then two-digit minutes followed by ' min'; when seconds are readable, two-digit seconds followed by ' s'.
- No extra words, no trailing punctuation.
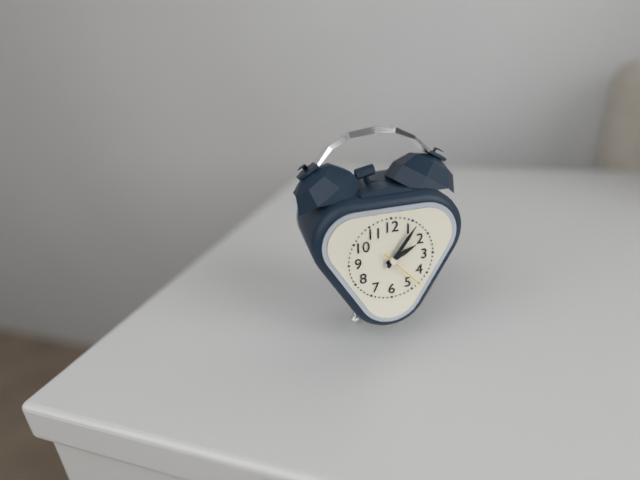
2 h 06 min
